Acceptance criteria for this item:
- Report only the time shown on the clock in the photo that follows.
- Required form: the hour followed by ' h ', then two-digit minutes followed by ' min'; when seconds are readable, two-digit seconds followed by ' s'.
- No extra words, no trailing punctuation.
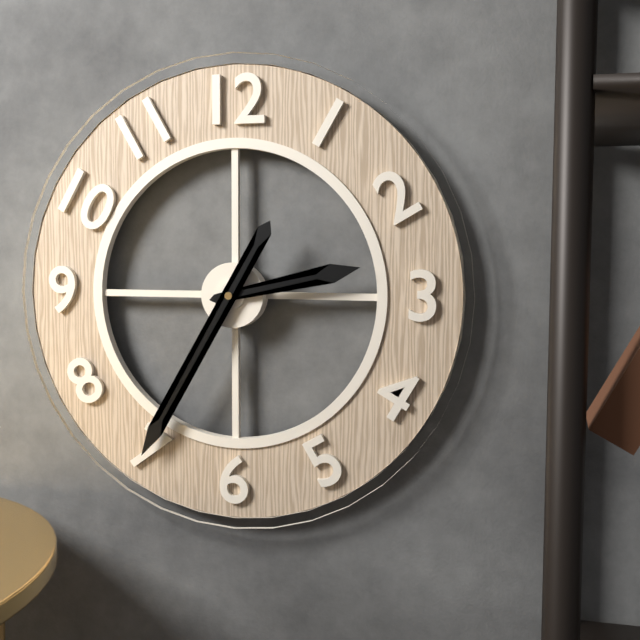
2 h 35 min
